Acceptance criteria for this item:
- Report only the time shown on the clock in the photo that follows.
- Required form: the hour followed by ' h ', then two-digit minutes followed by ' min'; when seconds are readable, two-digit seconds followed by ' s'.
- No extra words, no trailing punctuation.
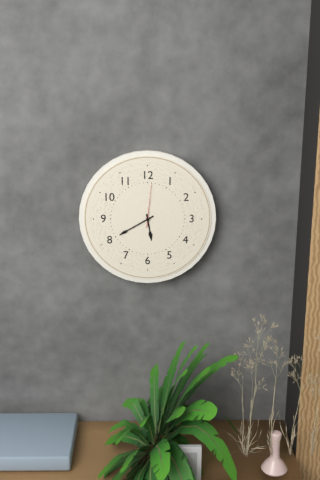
5 h 40 min
